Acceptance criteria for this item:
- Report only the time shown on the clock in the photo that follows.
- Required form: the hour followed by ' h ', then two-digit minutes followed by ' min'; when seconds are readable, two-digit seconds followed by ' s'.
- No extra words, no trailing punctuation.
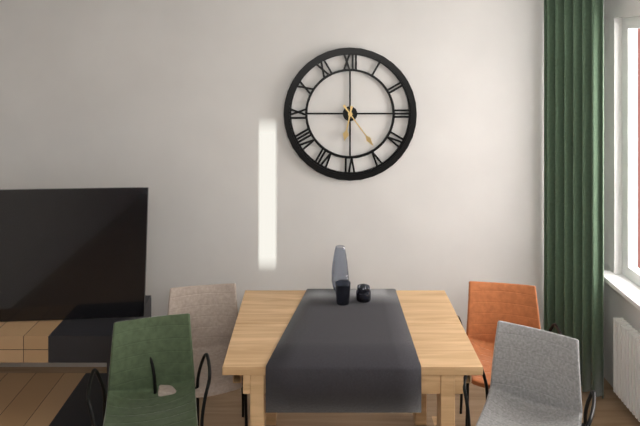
6 h 24 min
